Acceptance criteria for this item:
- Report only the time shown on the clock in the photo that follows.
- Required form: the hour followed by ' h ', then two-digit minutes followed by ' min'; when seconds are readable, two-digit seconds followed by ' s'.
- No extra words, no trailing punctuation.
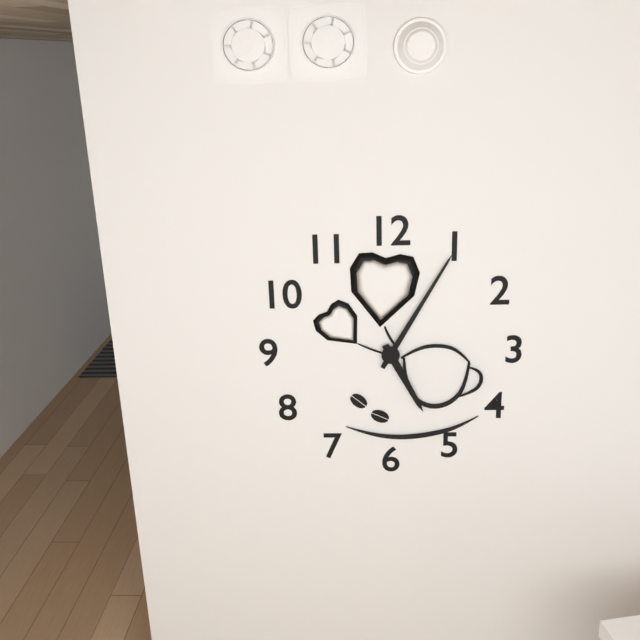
5 h 05 min
